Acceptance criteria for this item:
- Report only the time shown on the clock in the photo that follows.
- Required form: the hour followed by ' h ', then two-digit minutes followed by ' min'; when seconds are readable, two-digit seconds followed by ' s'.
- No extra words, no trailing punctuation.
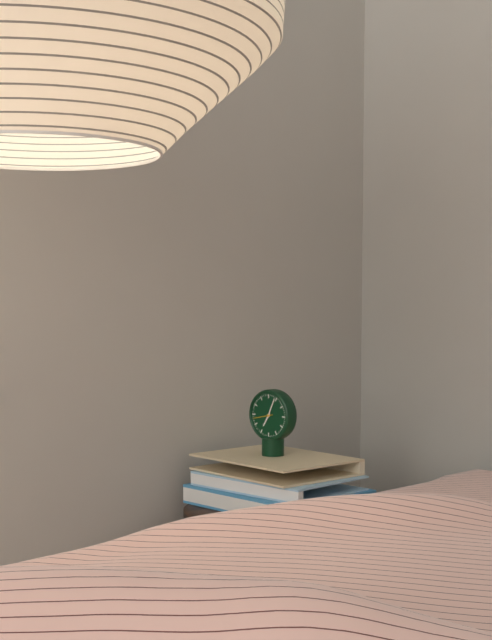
7 h 04 min
